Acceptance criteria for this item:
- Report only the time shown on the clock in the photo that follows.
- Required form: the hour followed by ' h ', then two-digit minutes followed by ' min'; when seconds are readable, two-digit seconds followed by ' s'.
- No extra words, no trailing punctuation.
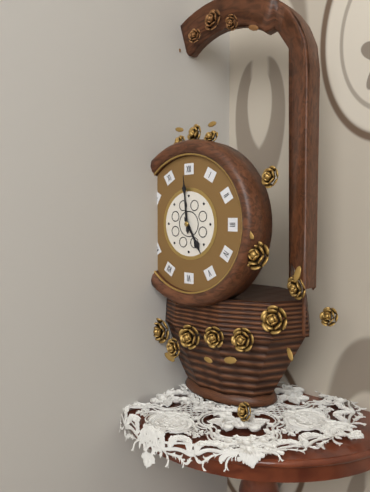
4 h 59 min
